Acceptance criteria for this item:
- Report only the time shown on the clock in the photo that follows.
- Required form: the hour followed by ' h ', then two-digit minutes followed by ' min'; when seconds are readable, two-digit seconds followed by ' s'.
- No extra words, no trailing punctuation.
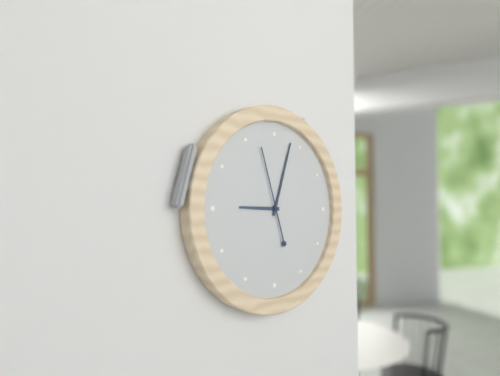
9 h 03 min 57 s
